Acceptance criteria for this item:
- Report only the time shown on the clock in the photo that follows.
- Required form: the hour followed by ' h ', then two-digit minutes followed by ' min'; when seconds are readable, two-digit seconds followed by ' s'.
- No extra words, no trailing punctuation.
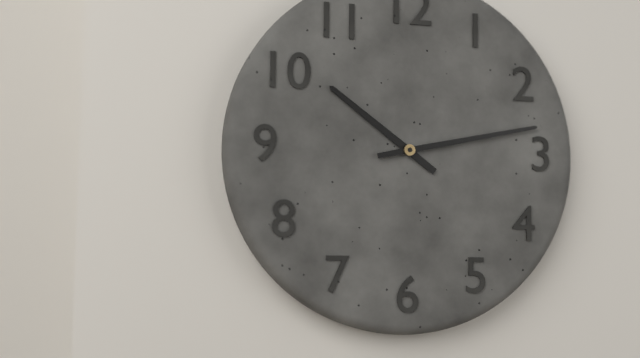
10 h 13 min
